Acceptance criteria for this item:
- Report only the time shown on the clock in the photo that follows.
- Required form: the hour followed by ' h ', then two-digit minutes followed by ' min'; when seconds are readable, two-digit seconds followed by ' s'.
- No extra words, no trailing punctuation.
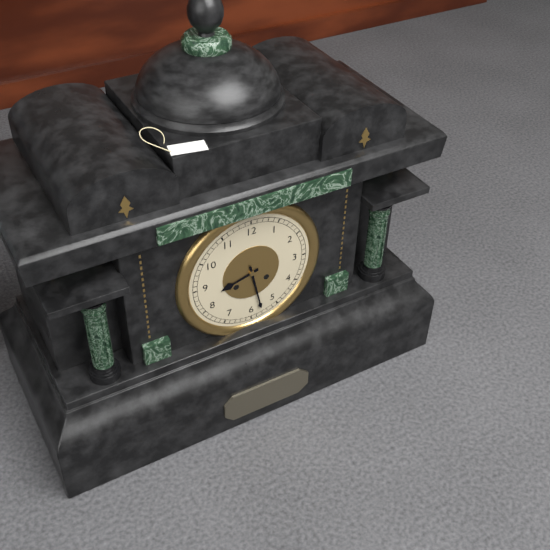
8 h 28 min
